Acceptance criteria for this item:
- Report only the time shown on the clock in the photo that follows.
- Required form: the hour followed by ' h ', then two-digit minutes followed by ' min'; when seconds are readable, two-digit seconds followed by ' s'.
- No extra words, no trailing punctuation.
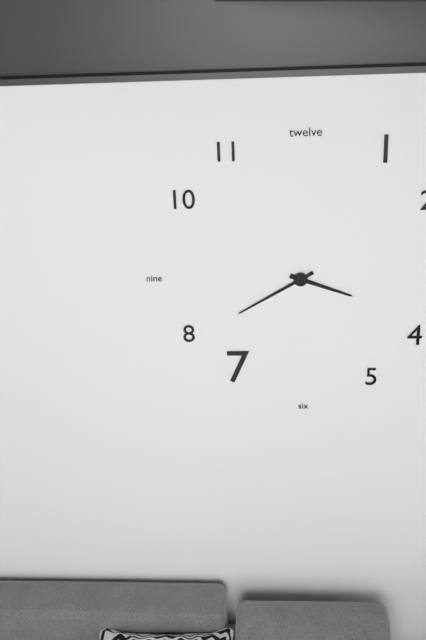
3 h 40 min
